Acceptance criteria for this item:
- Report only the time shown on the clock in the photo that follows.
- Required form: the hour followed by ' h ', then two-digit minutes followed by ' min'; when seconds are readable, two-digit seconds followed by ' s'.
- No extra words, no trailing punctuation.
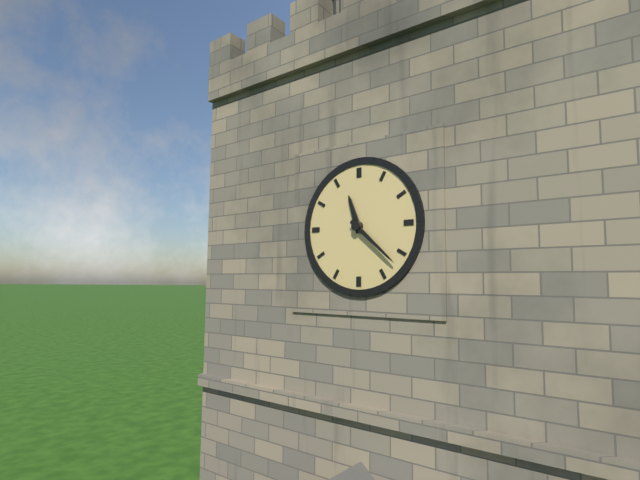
11 h 22 min
